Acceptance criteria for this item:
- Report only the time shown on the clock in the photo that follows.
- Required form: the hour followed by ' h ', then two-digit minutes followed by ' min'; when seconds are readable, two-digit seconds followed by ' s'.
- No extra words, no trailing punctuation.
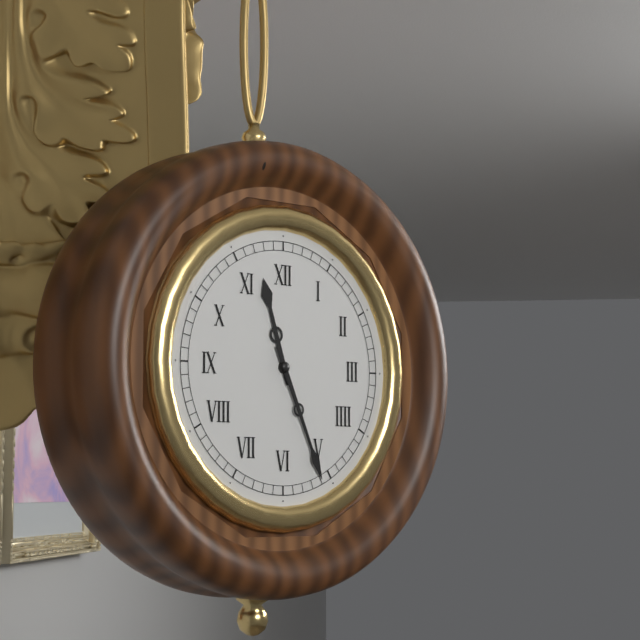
11 h 26 min
